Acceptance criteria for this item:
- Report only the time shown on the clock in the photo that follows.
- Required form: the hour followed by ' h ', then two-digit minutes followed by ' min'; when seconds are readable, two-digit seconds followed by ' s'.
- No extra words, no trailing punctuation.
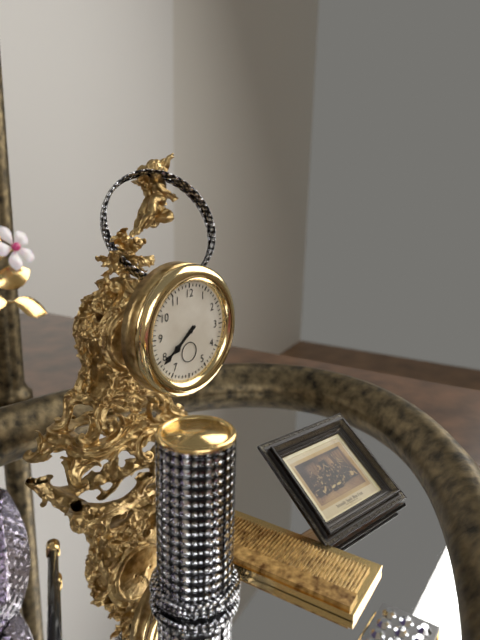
7 h 39 min
